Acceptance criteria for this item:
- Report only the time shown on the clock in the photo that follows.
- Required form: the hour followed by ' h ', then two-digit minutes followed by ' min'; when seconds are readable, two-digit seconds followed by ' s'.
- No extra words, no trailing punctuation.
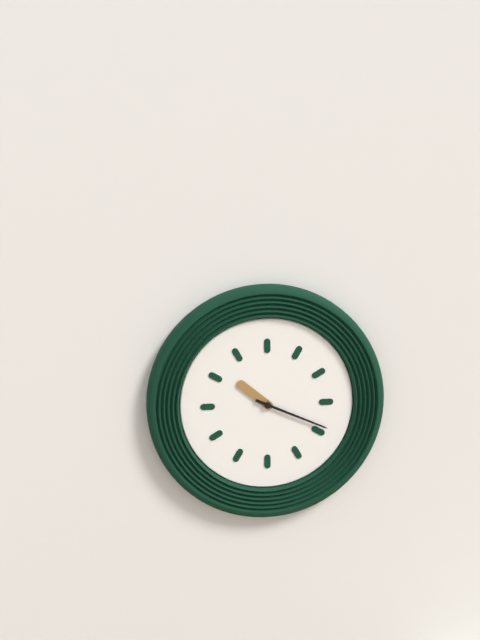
10 h 19 min
